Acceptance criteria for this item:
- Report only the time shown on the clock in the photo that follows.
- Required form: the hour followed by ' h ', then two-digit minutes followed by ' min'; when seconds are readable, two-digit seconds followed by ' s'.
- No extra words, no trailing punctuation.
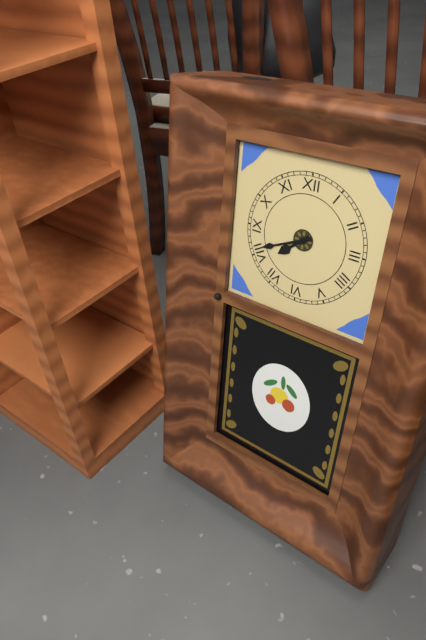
7 h 41 min
